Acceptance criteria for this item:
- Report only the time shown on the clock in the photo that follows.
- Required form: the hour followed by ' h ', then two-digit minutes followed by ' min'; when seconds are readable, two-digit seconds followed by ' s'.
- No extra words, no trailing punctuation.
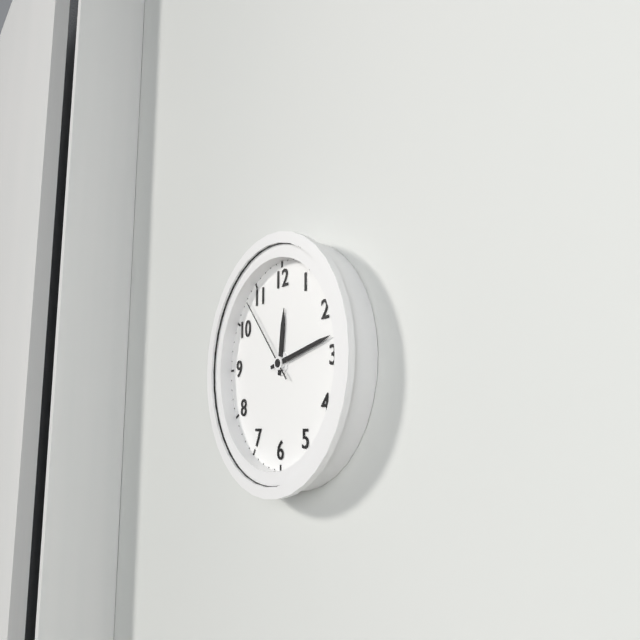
12 h 13 min 53 s
